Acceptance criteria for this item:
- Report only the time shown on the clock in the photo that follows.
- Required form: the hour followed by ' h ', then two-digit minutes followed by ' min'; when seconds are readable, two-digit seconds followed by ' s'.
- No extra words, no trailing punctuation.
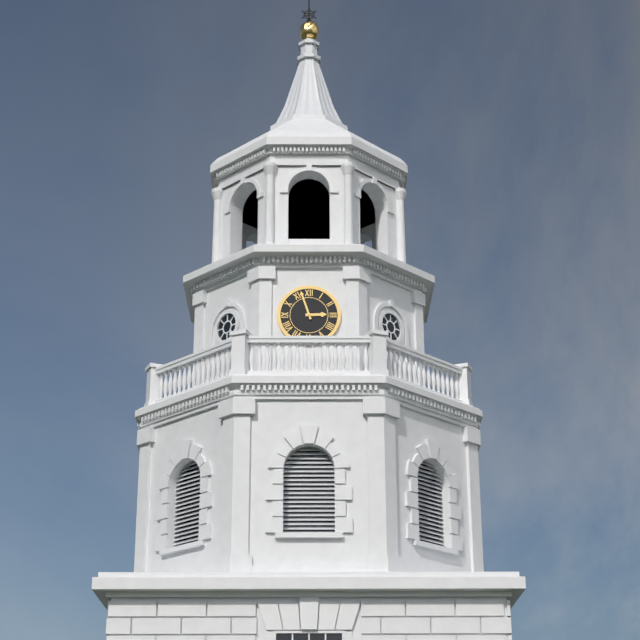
2 h 57 min
